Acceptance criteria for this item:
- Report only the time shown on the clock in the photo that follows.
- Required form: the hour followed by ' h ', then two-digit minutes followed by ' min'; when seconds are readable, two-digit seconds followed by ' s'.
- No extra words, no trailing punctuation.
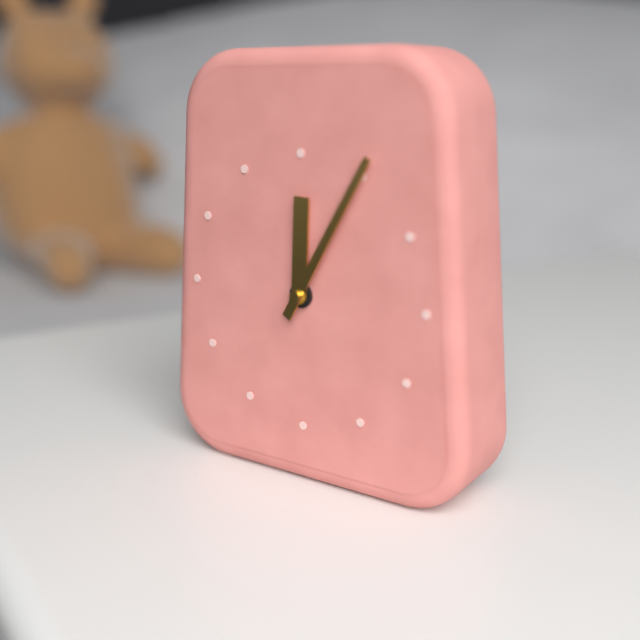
12 h 05 min
